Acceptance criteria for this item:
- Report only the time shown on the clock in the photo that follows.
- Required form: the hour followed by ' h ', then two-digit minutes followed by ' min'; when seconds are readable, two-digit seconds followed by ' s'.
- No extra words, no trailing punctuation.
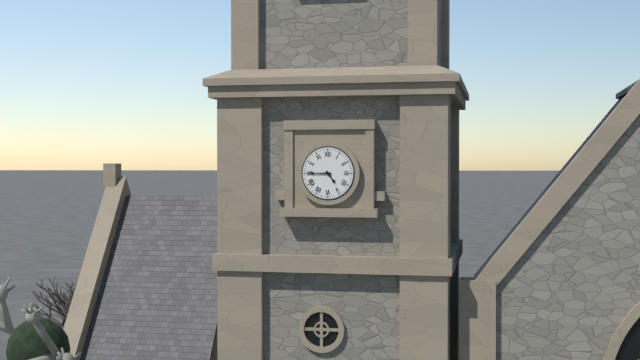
4 h 45 min
